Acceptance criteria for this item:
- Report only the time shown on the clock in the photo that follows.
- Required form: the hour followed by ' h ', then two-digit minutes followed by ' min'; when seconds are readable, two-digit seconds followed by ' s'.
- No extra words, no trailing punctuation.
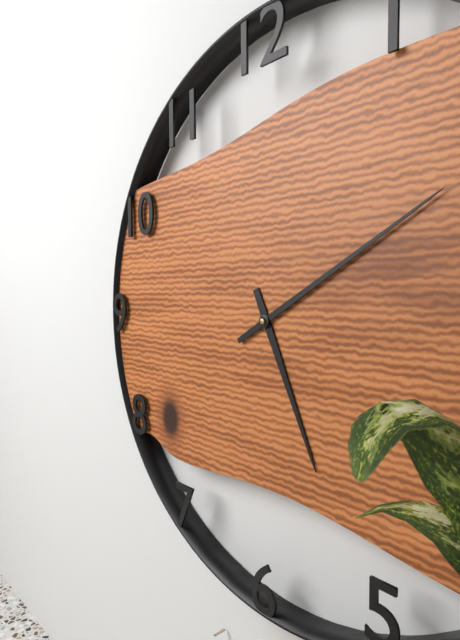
5 h 10 min
